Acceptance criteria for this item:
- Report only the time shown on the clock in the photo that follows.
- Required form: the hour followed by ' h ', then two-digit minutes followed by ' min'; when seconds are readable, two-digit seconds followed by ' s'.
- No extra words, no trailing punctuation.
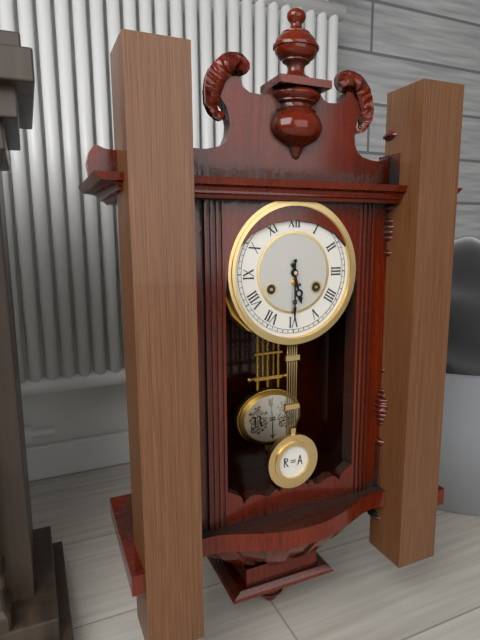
5 h 30 min
